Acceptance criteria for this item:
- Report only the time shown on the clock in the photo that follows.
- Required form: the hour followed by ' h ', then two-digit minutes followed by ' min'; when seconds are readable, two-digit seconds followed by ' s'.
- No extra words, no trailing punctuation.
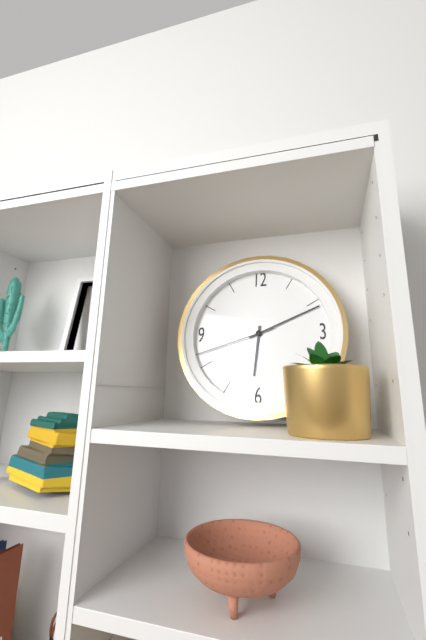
6 h 11 min 42 s
